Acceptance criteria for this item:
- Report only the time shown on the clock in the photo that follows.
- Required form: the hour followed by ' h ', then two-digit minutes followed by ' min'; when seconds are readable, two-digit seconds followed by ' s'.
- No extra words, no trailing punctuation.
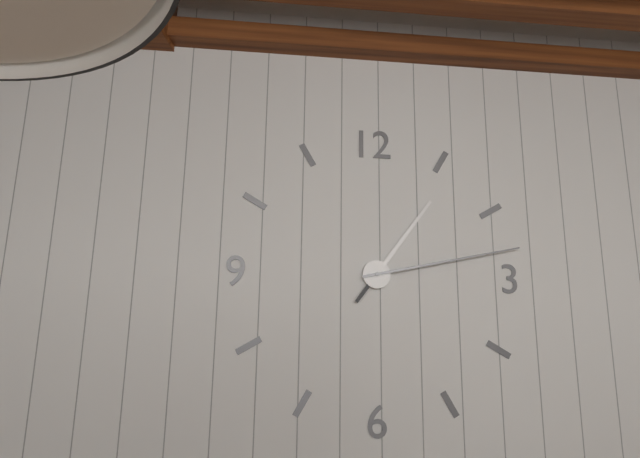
1 h 13 min
